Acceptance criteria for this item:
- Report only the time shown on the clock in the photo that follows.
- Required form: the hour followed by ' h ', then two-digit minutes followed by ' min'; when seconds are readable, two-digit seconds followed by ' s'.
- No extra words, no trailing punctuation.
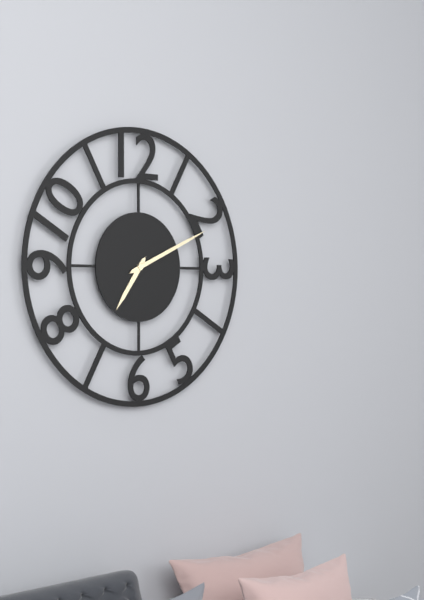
7 h 11 min
